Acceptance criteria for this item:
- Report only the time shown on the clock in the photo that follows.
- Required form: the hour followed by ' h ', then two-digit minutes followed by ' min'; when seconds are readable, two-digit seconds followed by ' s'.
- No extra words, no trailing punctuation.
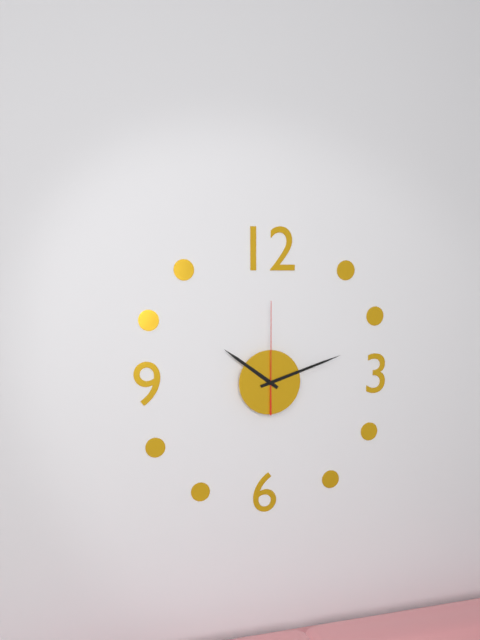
10 h 12 min 00 s
